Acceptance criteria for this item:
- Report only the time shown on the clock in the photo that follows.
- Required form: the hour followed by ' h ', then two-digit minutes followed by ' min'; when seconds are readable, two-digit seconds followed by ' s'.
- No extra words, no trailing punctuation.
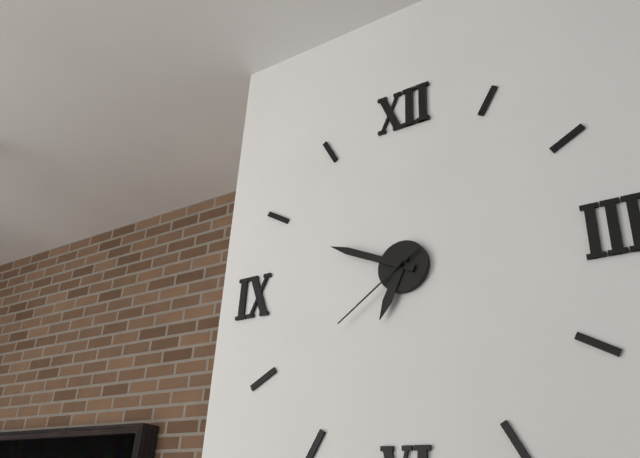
6 h 49 min 39 s
